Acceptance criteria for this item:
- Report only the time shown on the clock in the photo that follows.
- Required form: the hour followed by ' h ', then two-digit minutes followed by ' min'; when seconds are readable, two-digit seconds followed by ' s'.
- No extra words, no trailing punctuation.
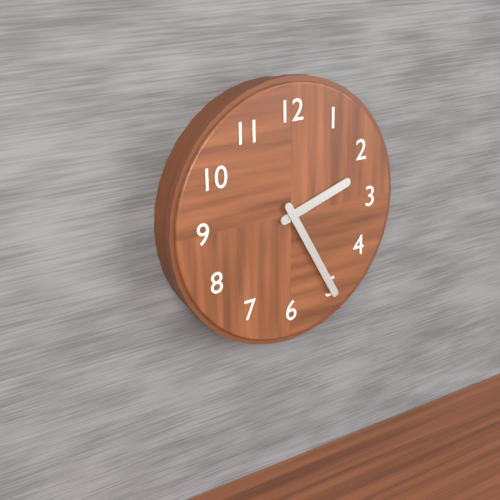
2 h 25 min
